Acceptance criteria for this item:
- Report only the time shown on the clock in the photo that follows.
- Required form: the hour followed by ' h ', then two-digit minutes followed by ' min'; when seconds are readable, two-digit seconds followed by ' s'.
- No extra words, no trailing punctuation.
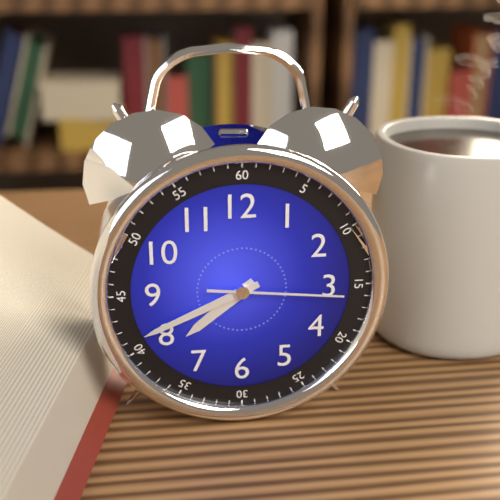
7 h 41 min 16 s
